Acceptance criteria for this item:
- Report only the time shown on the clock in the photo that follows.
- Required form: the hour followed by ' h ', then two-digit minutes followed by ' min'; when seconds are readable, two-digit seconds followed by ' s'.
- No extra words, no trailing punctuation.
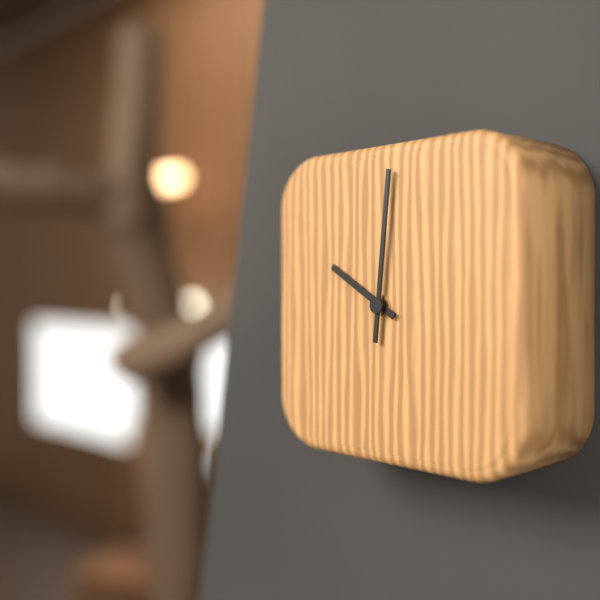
10 h 01 min
